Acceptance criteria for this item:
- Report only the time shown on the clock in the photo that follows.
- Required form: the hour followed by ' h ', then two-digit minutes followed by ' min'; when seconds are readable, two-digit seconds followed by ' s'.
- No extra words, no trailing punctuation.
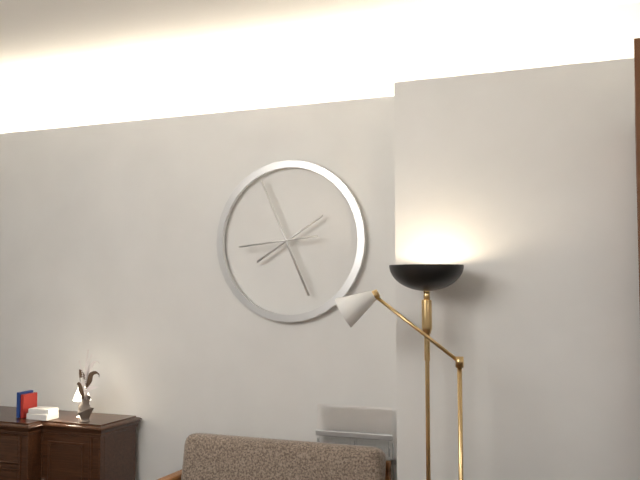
1 h 56 min 44 s
